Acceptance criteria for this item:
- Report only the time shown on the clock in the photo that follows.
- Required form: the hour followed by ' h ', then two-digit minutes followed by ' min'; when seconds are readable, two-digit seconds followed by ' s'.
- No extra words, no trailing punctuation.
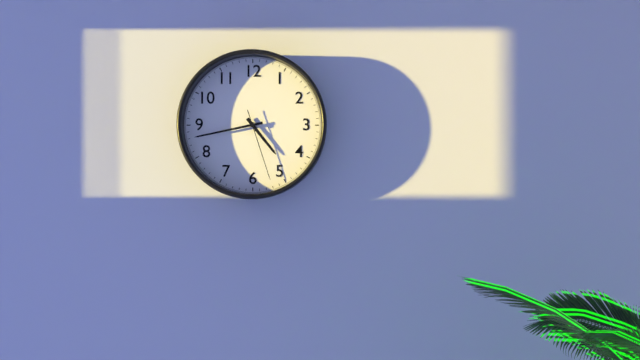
4 h 43 min 27 s
